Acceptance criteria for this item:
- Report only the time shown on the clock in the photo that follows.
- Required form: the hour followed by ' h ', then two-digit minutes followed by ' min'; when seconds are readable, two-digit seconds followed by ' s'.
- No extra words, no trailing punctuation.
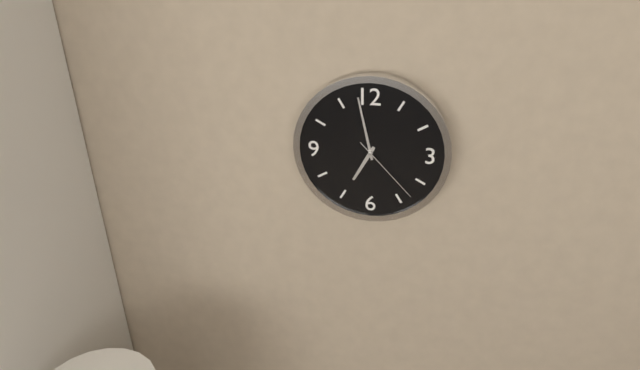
6 h 58 min 23 s
